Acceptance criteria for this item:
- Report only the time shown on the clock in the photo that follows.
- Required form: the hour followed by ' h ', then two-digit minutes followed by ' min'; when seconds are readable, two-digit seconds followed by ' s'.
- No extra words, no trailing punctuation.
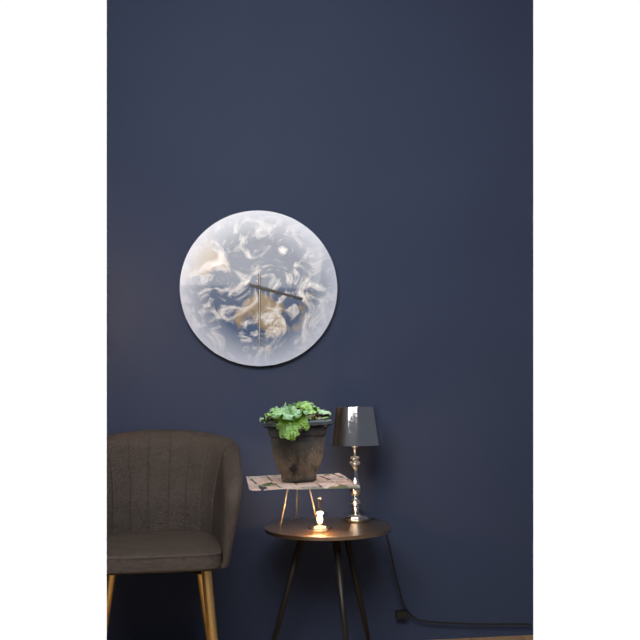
3 h 30 min 30 s
